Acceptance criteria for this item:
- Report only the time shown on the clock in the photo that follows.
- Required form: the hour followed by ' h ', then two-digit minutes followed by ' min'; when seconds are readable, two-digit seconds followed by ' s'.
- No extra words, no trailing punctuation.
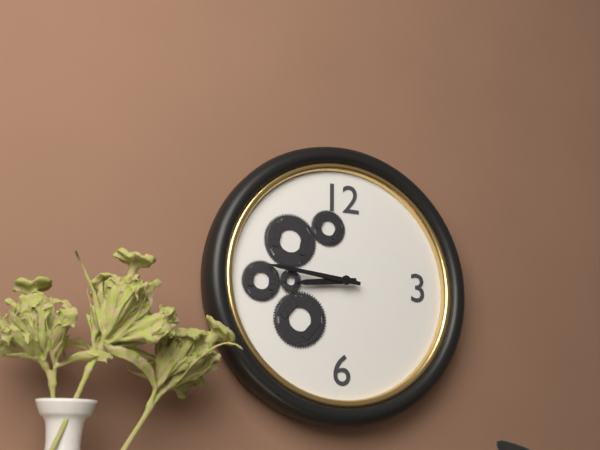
8 h 46 min
